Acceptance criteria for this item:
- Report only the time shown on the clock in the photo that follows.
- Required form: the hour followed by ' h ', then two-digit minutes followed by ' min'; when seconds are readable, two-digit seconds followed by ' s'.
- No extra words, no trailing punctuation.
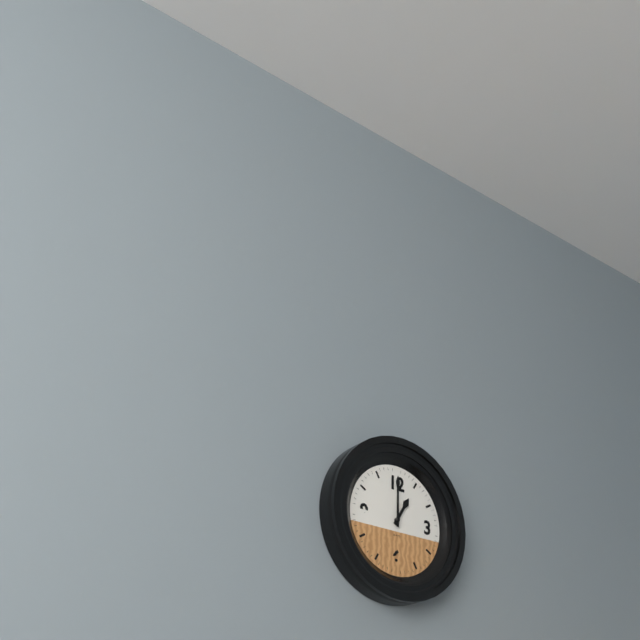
1 h 00 min
